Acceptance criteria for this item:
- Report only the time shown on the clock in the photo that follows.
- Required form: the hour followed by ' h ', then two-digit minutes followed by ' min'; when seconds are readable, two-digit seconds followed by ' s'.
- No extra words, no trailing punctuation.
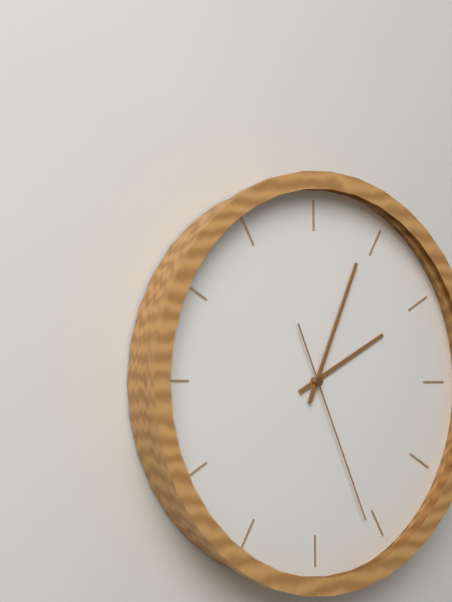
2 h 04 min 26 s
